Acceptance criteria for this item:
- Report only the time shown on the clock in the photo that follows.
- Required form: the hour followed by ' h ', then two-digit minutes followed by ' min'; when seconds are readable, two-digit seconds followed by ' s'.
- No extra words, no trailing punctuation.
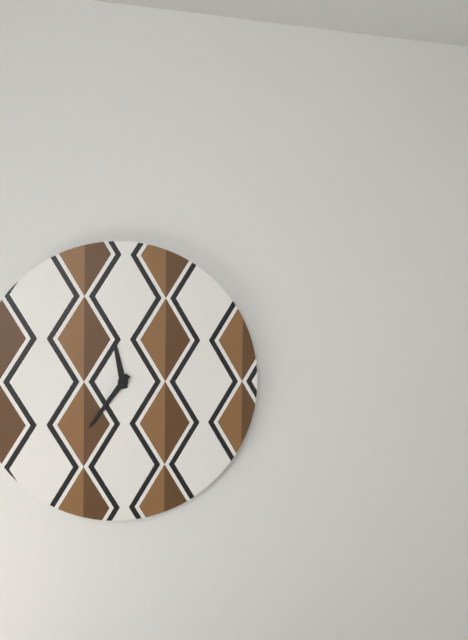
11 h 36 min
